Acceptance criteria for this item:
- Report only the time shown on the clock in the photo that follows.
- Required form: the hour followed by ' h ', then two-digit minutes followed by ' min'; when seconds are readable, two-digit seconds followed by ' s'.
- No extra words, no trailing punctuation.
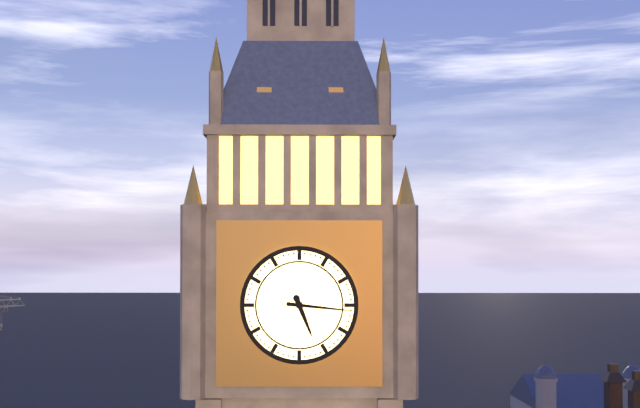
5 h 16 min
